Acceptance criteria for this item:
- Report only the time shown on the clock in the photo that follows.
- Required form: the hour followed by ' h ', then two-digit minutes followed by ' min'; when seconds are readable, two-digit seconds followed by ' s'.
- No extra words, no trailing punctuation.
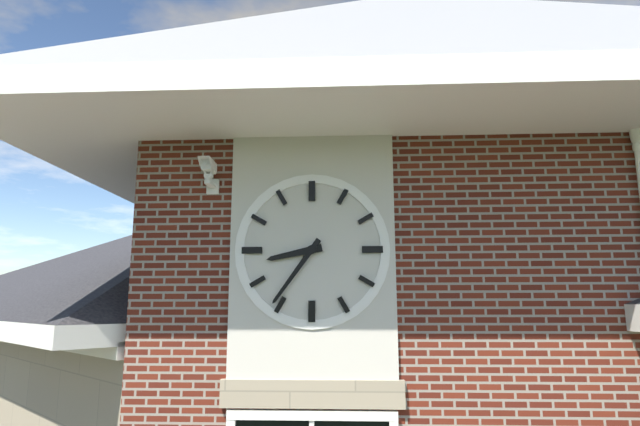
8 h 36 min
